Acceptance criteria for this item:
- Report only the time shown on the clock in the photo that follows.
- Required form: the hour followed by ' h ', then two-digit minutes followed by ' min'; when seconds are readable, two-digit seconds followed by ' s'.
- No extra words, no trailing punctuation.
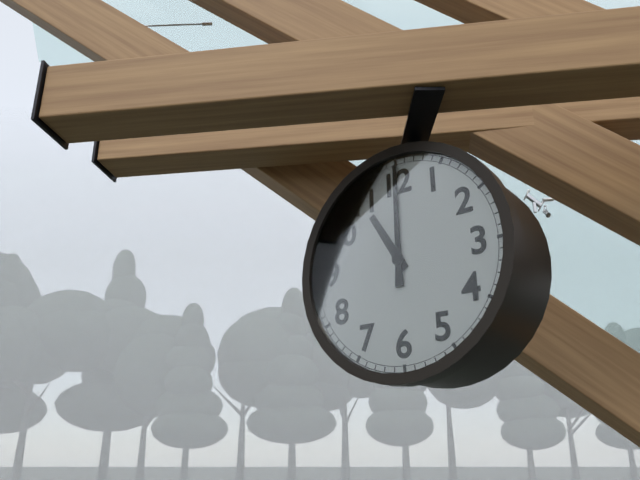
11 h 00 min
